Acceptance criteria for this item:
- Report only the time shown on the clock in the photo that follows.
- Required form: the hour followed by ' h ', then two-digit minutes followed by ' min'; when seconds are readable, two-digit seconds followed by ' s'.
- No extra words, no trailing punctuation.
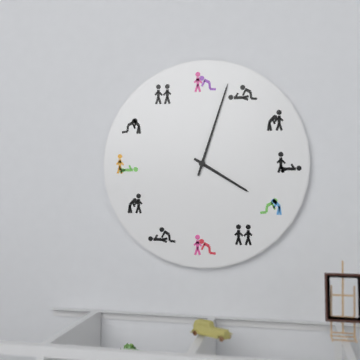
4 h 03 min
